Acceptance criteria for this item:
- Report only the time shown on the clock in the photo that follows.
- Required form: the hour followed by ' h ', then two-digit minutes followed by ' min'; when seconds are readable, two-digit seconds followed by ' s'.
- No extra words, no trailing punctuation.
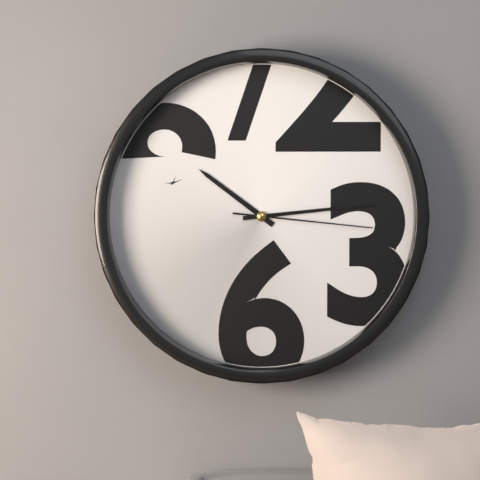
10 h 14 min 16 s
